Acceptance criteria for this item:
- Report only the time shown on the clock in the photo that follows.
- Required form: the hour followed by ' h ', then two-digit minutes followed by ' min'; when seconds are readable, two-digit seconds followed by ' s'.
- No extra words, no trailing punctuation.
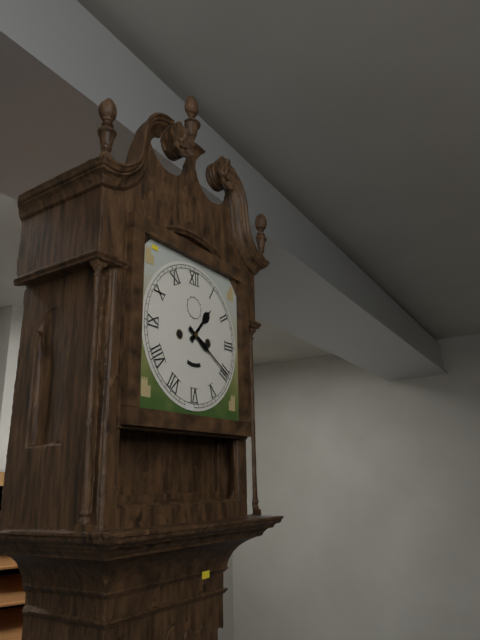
1 h 20 min
